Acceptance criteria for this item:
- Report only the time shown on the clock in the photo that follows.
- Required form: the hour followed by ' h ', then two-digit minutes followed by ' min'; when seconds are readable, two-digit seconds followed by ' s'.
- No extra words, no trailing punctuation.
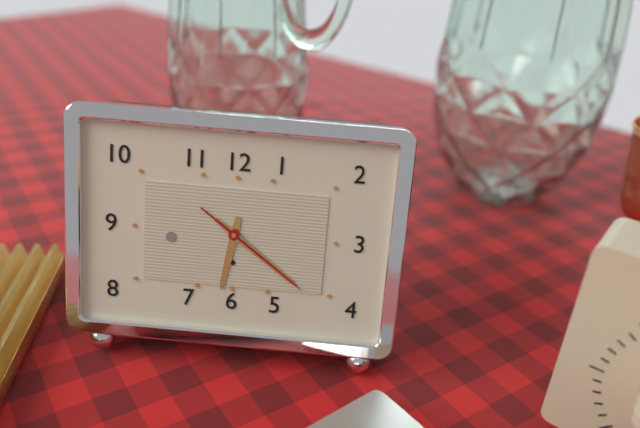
6 h 21 min 21 s
